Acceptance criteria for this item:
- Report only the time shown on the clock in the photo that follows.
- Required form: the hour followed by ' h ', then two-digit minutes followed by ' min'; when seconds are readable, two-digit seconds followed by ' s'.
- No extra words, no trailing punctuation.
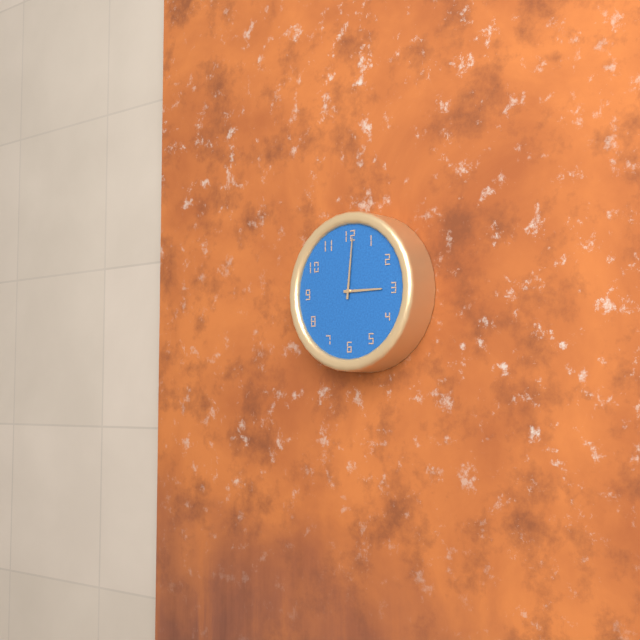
3 h 01 min
